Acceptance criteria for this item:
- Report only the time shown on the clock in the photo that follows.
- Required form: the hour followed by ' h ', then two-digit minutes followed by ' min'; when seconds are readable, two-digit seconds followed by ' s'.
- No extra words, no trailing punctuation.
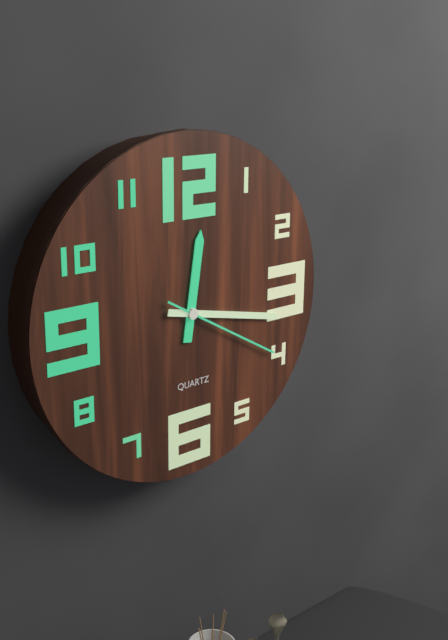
12 h 17 min 20 s
